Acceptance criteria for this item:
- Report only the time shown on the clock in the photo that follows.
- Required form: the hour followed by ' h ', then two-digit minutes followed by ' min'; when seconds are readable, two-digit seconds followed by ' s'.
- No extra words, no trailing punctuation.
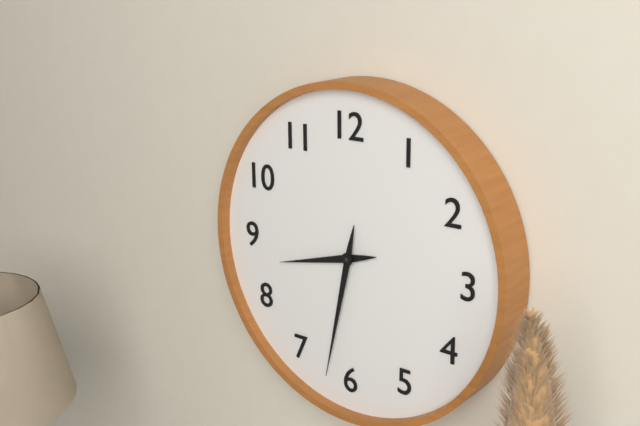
8 h 32 min
